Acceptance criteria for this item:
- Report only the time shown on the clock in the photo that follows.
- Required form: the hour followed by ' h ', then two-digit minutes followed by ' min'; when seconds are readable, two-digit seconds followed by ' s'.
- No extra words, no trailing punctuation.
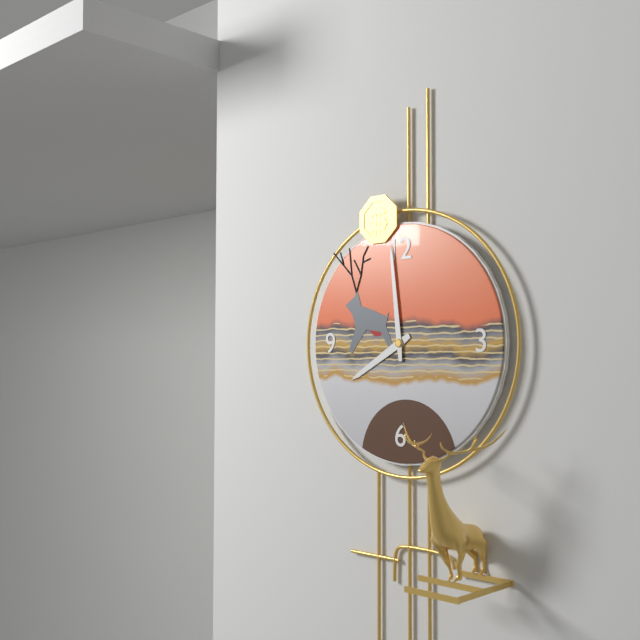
7 h 59 min
